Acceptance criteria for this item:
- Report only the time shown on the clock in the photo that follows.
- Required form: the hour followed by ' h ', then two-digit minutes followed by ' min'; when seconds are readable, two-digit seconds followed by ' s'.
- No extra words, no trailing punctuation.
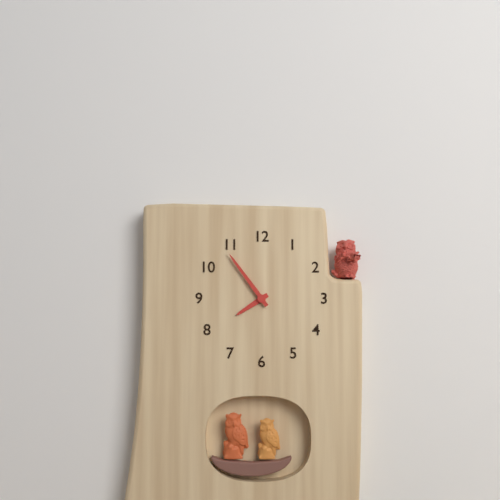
7 h 54 min
